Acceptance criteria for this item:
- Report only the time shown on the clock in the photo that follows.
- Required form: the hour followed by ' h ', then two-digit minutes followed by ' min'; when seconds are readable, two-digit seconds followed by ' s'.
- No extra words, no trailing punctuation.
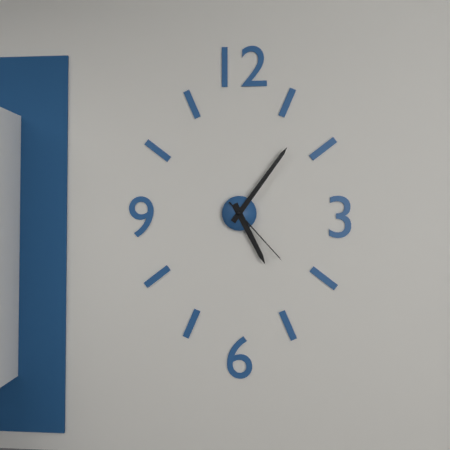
5 h 06 min 23 s
